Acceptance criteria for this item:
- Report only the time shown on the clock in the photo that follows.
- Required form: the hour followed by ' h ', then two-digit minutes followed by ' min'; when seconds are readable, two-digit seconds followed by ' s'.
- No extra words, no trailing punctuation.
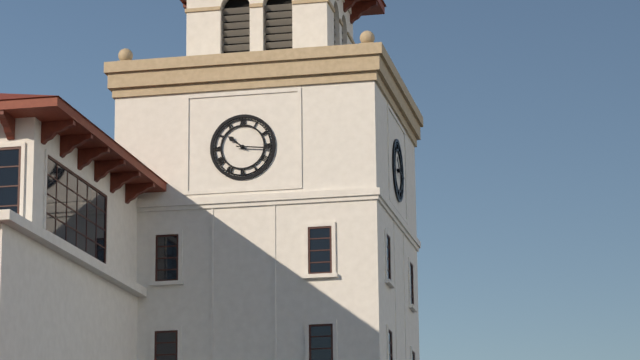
10 h 16 min
